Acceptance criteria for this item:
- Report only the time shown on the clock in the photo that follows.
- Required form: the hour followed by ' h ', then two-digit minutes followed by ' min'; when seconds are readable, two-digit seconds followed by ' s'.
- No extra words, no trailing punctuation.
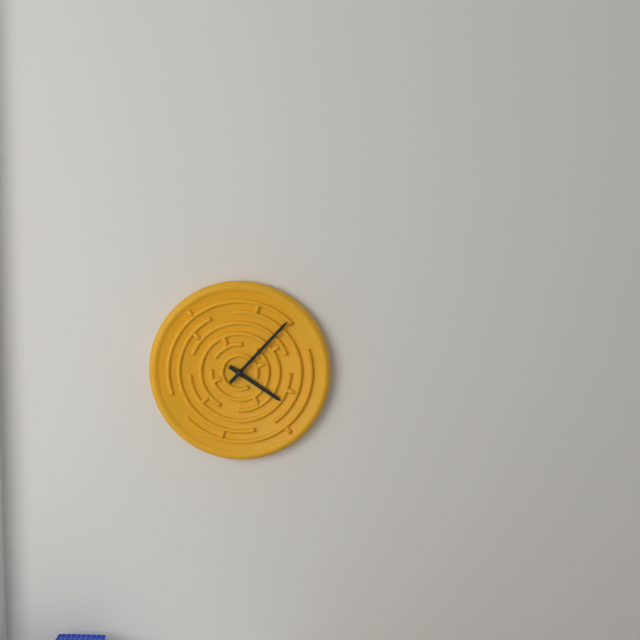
4 h 07 min
